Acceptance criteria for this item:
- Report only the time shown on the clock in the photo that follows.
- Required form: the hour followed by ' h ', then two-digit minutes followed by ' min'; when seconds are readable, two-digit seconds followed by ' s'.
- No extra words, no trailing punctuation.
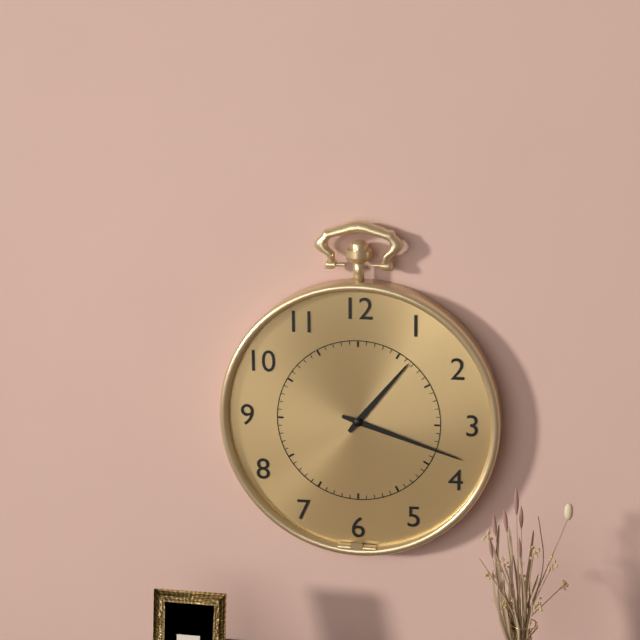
1 h 18 min
